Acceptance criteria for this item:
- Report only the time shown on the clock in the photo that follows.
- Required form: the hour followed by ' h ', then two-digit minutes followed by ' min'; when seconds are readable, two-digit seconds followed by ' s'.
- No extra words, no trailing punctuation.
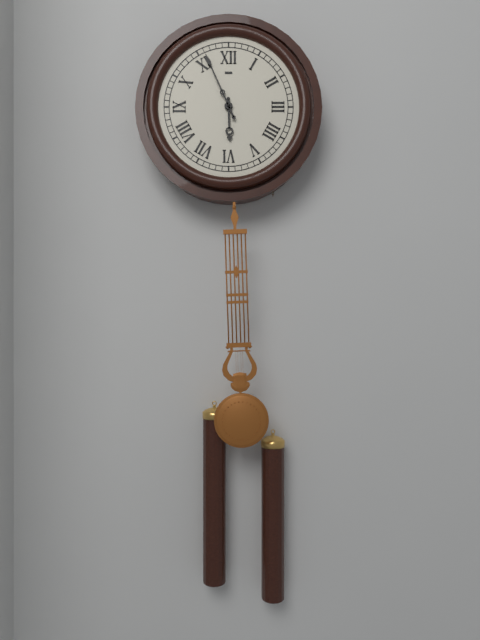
5 h 56 min
